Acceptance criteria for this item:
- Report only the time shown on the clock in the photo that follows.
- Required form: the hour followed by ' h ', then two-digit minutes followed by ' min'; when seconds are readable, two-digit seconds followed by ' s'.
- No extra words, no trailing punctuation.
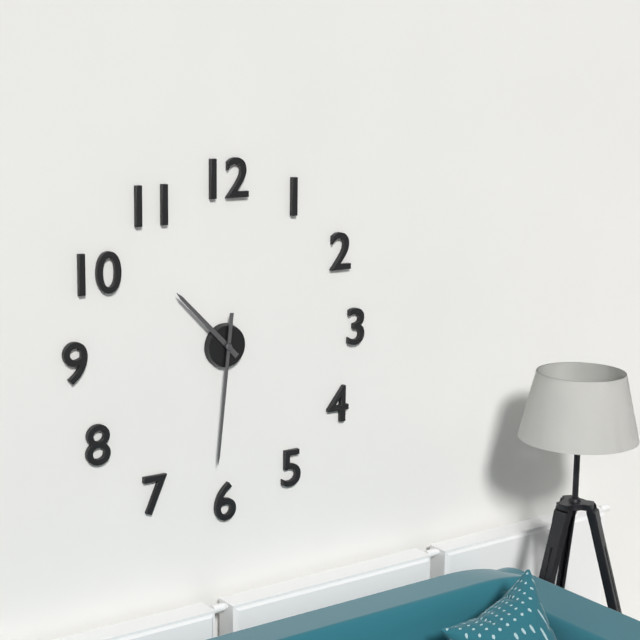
10 h 31 min
